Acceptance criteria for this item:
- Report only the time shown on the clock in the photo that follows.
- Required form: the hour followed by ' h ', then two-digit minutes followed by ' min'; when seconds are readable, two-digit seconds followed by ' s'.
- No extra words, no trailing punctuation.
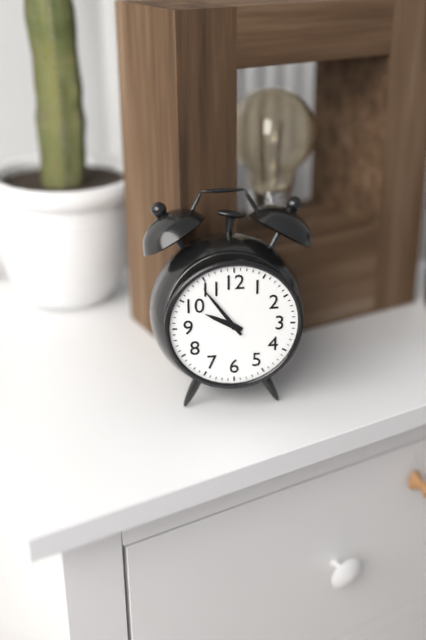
9 h 54 min
